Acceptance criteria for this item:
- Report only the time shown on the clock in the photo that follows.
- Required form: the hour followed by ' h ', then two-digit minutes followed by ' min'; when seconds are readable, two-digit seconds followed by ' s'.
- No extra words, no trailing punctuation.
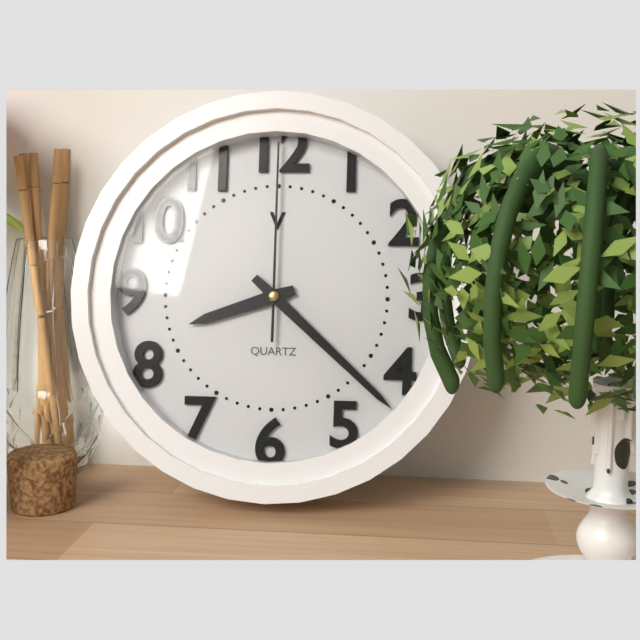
8 h 22 min 00 s
